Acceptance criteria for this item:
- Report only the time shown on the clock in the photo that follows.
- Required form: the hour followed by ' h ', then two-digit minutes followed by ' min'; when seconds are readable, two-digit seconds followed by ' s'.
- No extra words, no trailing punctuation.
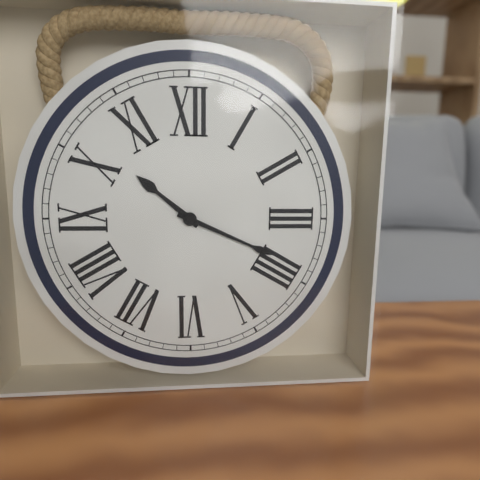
10 h 19 min
